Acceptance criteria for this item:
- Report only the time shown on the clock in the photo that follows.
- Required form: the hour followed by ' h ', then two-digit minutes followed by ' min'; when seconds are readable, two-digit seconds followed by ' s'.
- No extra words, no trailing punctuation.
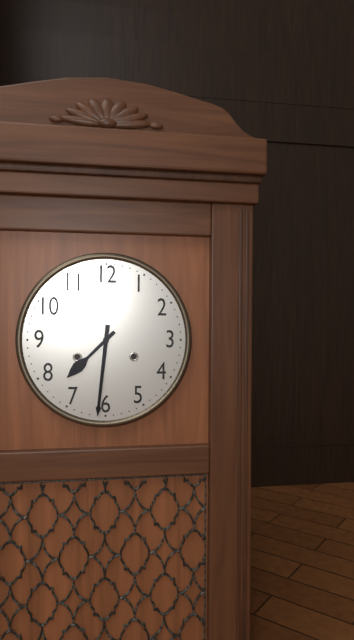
7 h 31 min
